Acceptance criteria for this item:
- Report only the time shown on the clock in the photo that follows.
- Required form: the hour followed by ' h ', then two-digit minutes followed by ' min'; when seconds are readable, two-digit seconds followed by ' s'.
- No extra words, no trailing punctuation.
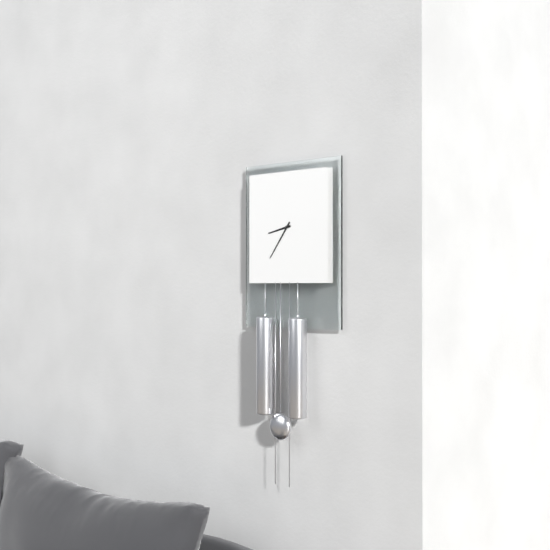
8 h 36 min
